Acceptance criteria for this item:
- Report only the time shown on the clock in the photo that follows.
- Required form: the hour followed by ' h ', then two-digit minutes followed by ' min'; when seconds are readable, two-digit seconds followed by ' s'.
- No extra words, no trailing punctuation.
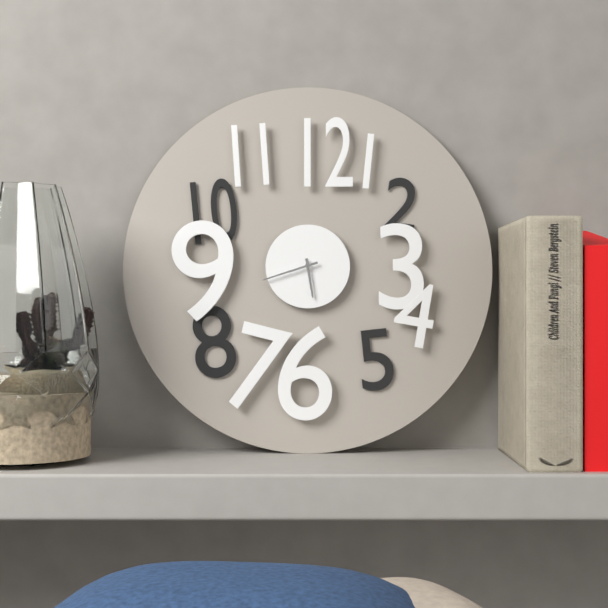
5 h 42 min
